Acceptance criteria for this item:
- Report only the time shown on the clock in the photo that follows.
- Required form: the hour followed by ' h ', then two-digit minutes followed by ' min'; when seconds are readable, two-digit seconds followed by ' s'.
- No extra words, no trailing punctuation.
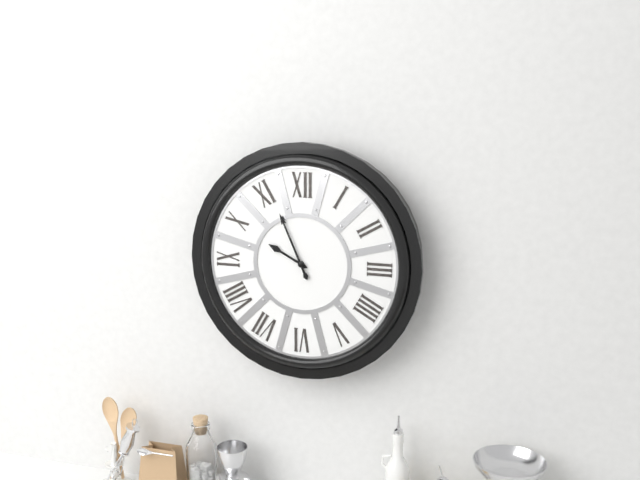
9 h 56 min
